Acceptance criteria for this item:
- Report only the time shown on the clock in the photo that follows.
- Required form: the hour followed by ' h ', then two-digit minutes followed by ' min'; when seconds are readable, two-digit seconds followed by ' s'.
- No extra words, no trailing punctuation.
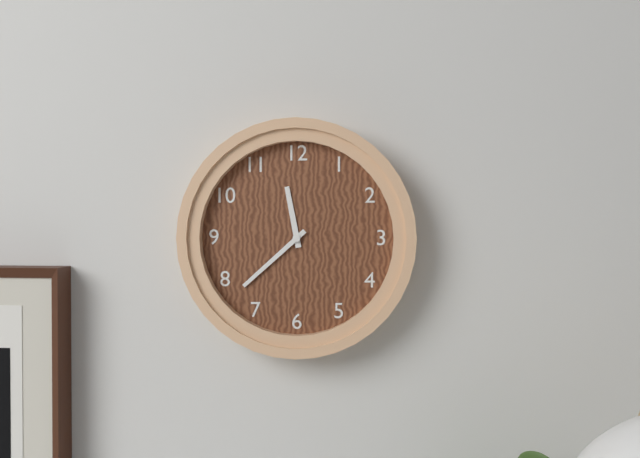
11 h 38 min
